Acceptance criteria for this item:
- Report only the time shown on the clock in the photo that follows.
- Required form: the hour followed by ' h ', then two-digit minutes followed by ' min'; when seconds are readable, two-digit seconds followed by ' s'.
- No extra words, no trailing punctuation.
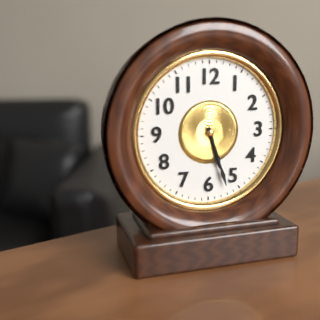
5 h 27 min
